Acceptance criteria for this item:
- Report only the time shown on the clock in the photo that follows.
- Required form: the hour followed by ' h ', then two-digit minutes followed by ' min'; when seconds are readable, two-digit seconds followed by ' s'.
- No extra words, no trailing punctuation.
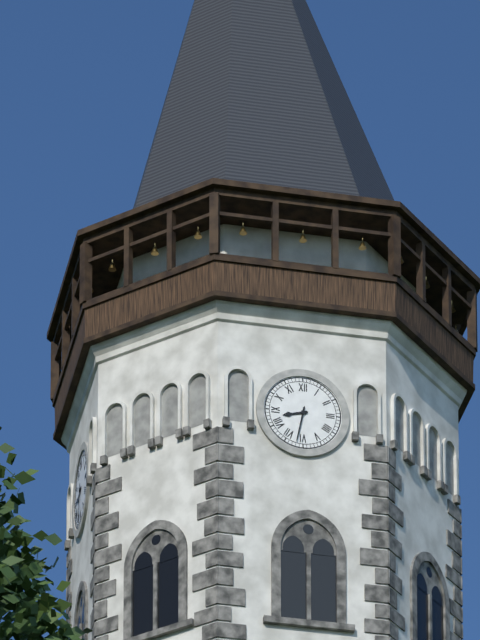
8 h 32 min
